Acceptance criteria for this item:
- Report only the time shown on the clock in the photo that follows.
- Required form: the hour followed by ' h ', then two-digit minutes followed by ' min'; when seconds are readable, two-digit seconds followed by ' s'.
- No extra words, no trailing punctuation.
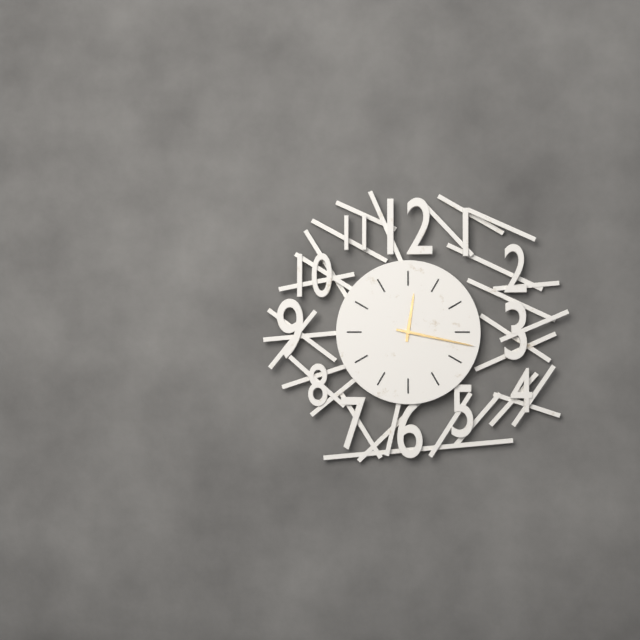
12 h 17 min
